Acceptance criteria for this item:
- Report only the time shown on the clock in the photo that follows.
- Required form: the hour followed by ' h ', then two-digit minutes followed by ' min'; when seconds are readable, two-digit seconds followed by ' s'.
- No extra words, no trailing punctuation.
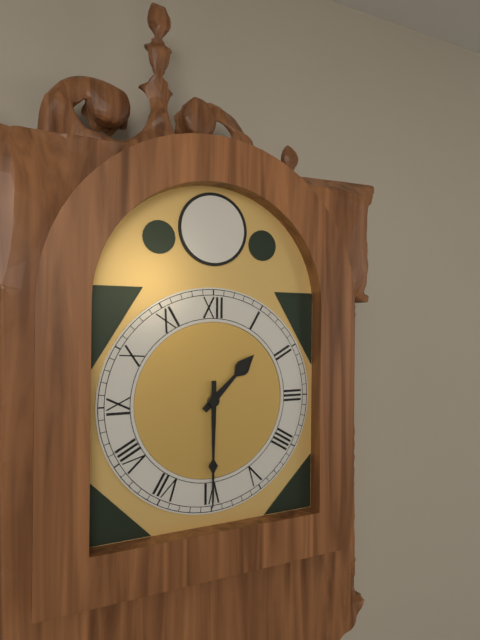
1 h 30 min
